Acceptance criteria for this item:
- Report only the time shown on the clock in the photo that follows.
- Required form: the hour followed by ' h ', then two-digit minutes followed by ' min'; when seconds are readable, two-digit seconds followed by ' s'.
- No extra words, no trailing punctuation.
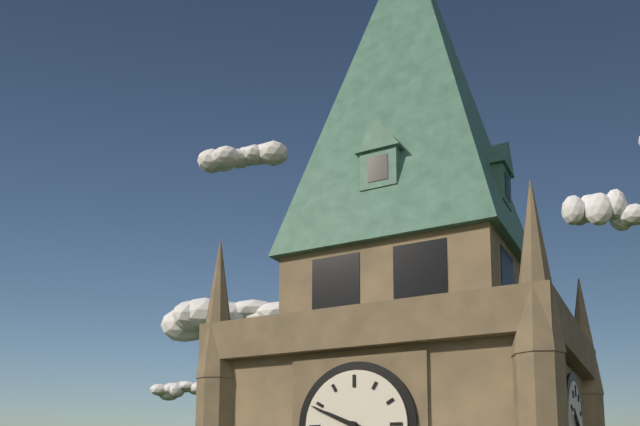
9 h 49 min
